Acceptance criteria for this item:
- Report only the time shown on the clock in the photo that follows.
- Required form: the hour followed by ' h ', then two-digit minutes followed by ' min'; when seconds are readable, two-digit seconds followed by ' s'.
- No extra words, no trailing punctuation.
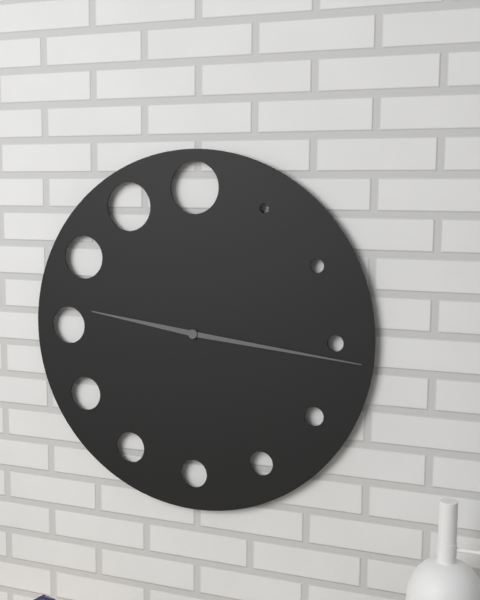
9 h 16 min
